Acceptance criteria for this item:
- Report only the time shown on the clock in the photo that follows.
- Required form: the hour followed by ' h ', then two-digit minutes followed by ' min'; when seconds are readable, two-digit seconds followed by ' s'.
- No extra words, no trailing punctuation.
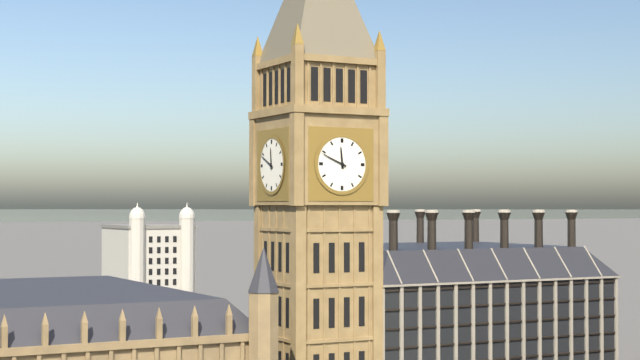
11 h 49 min
